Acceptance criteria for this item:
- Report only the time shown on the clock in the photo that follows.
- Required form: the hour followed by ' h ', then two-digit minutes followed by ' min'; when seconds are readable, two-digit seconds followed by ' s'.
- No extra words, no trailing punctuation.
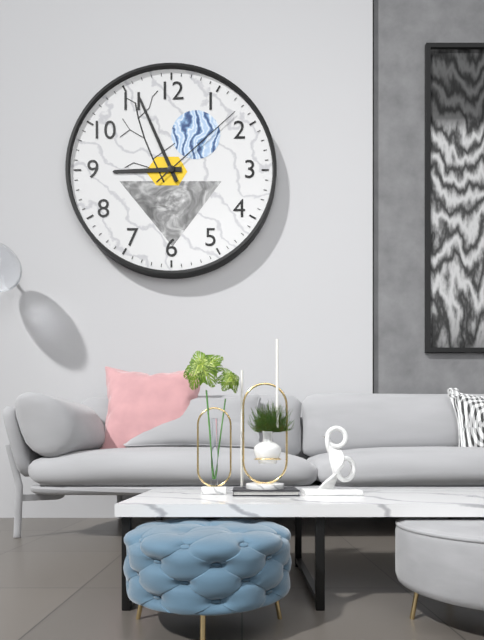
8 h 56 min 08 s
